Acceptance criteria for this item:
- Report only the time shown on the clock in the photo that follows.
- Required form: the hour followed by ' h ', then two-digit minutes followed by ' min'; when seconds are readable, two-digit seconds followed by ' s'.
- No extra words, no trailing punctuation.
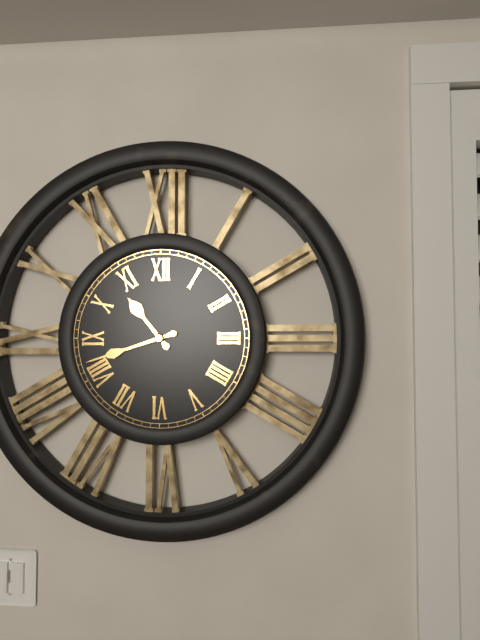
10 h 42 min
